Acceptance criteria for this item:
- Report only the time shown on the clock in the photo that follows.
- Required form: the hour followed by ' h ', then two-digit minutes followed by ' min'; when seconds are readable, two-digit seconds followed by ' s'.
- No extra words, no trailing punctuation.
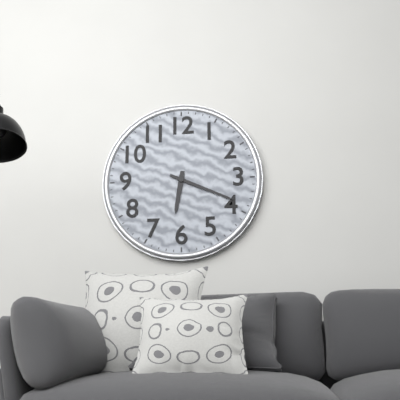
6 h 19 min
